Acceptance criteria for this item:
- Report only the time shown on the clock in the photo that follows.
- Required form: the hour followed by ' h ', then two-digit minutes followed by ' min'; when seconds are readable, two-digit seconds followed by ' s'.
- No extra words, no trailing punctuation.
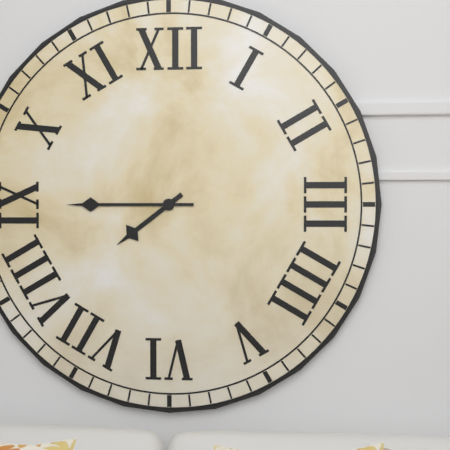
7 h 45 min
